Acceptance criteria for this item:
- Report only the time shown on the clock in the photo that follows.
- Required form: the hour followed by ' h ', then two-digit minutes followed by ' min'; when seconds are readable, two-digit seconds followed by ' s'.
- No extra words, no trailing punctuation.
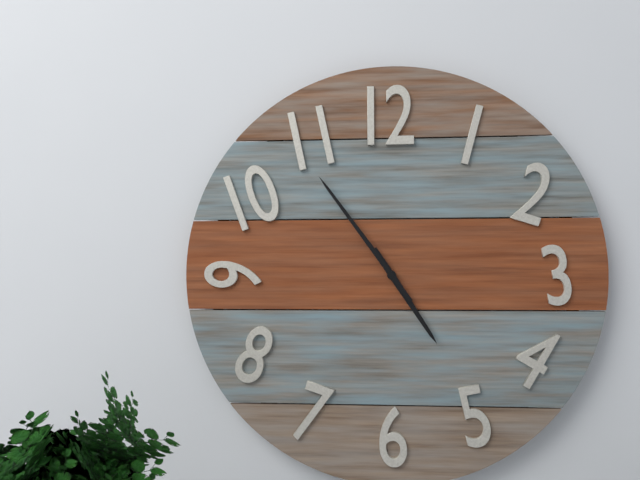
4 h 54 min
